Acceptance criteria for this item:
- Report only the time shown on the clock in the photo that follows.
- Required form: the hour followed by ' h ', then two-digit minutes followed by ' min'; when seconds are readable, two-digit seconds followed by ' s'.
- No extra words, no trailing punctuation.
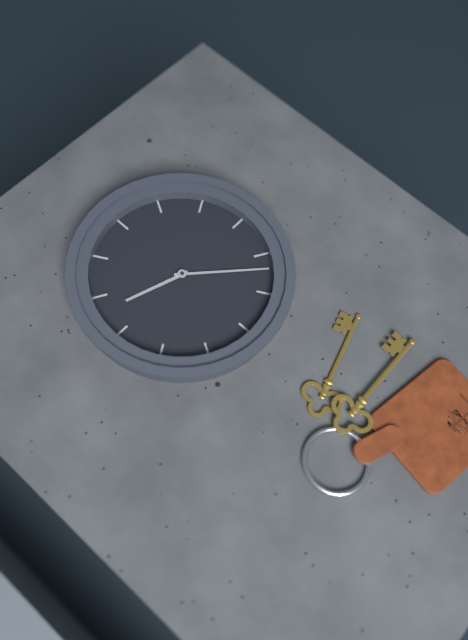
12 h 37 min
